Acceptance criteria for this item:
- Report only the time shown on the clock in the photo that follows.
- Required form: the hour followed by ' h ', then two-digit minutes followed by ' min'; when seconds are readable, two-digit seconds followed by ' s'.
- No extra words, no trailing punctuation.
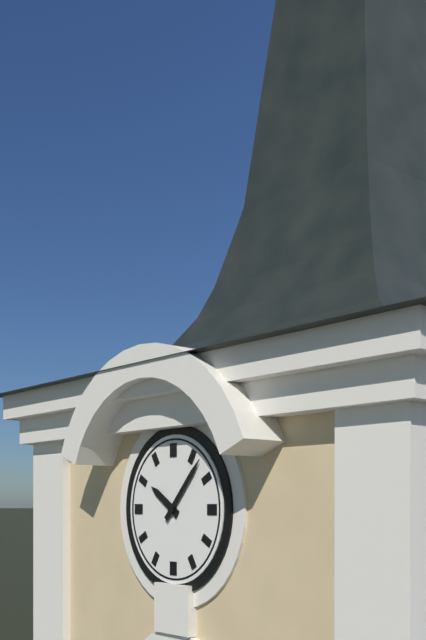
10 h 07 min
